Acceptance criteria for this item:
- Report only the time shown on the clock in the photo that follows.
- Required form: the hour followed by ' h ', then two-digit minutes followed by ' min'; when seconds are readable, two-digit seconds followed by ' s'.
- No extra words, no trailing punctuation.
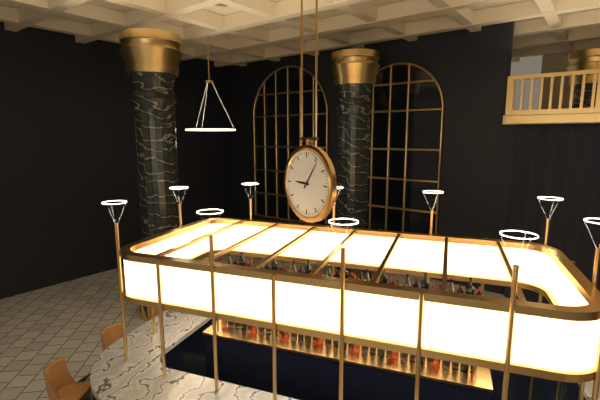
9 h 06 min
